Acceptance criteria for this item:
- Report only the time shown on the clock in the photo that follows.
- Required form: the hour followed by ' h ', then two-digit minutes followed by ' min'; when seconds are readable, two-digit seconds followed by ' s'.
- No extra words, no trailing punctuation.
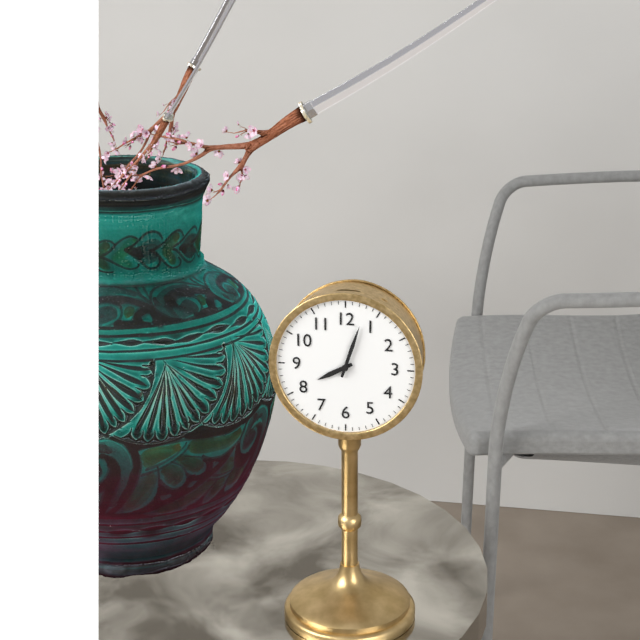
8 h 03 min
